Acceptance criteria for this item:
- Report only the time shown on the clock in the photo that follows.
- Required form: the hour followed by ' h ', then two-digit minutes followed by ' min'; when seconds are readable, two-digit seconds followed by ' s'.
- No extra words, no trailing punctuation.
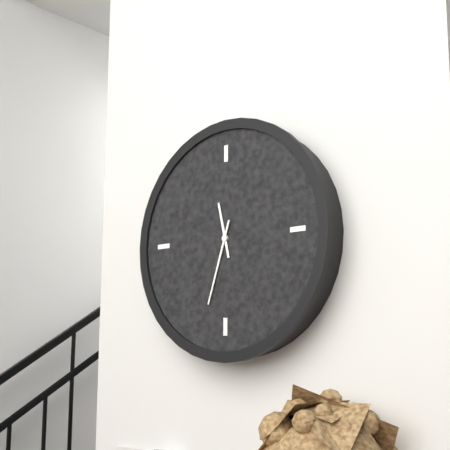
11 h 33 min
